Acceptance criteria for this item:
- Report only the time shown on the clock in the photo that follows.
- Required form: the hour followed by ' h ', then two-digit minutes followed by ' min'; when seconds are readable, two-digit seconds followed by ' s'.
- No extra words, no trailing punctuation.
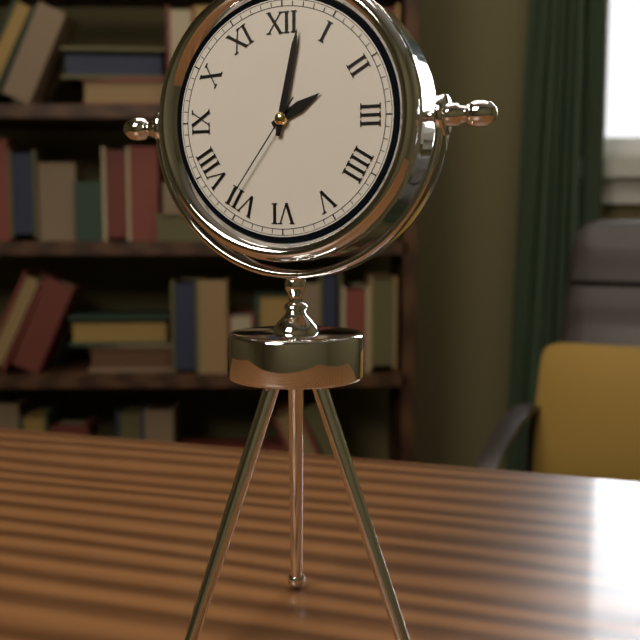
2 h 02 min 36 s
